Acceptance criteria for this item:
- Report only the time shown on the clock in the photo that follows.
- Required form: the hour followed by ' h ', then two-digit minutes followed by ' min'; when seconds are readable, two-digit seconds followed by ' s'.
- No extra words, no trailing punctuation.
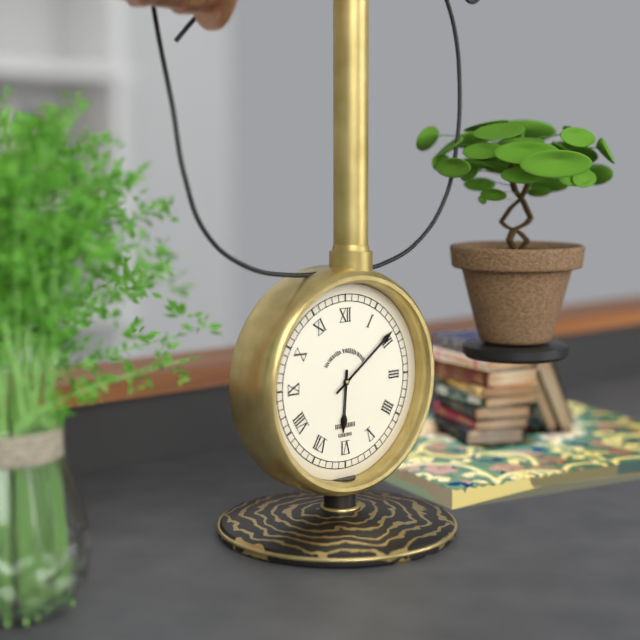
6 h 09 min
